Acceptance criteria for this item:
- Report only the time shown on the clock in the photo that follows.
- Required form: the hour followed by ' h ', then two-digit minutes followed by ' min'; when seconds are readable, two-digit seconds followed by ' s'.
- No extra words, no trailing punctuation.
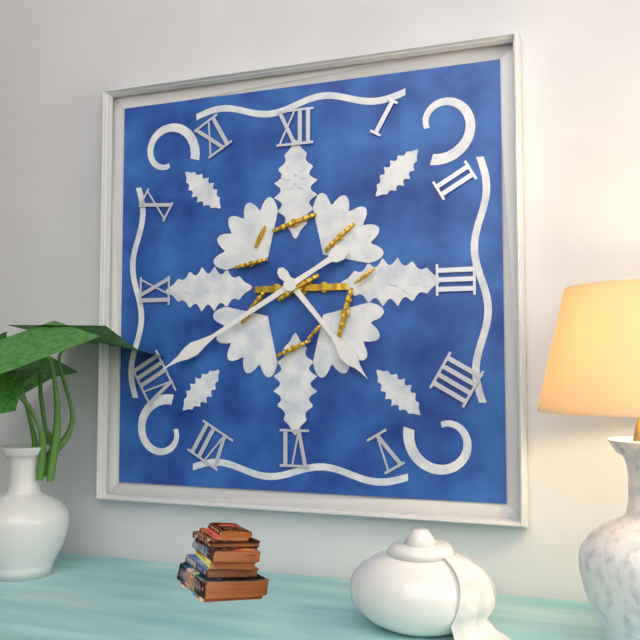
4 h 40 min
